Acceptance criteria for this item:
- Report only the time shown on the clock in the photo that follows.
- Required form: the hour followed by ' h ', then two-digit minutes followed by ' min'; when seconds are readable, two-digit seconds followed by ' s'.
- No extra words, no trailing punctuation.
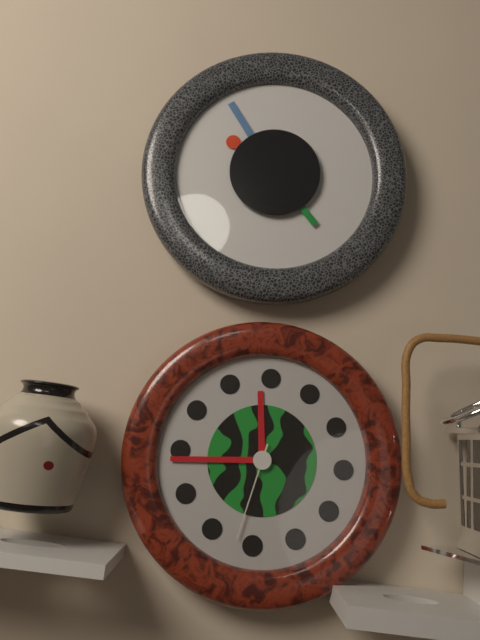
11 h 44 min 32 s
